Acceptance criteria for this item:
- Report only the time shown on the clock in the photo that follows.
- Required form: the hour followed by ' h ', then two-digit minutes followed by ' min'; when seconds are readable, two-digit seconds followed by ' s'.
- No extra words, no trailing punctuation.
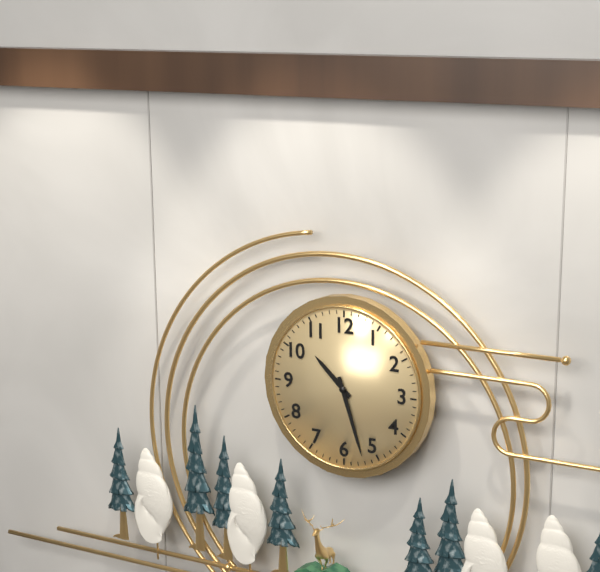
10 h 27 min
